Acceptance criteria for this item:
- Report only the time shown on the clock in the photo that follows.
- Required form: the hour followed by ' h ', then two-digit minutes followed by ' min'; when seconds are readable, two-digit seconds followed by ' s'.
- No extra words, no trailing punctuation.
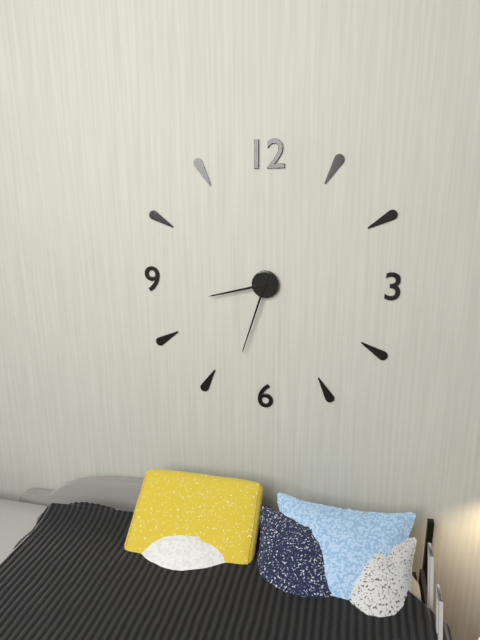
8 h 33 min
